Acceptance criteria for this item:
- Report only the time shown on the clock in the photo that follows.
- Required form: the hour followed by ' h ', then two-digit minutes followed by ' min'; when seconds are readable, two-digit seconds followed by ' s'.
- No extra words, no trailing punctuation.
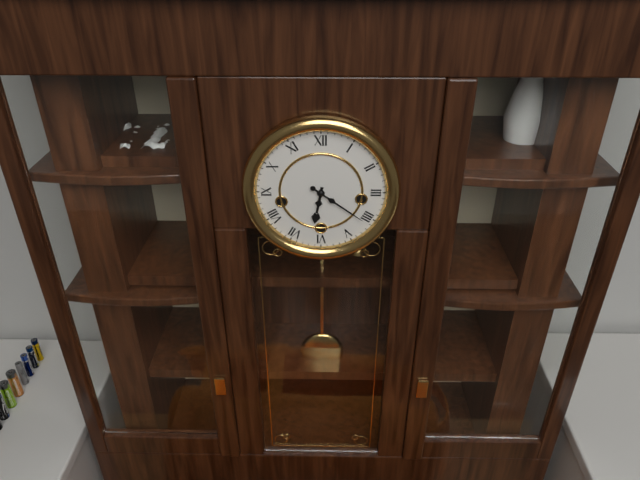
6 h 21 min
